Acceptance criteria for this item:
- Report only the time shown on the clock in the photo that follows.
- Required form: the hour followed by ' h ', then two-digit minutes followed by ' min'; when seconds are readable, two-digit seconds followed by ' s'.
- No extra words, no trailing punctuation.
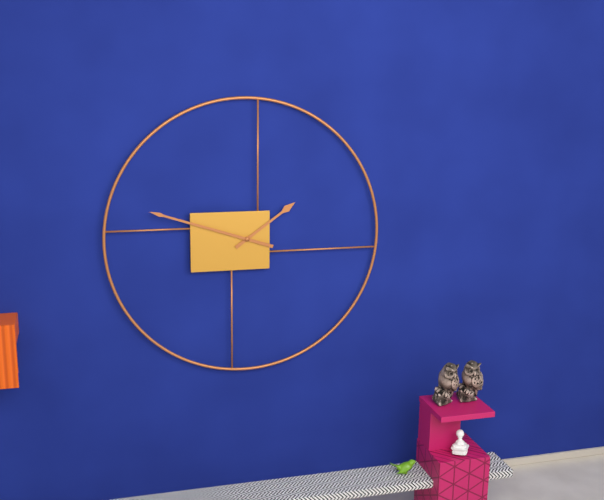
1 h 48 min
